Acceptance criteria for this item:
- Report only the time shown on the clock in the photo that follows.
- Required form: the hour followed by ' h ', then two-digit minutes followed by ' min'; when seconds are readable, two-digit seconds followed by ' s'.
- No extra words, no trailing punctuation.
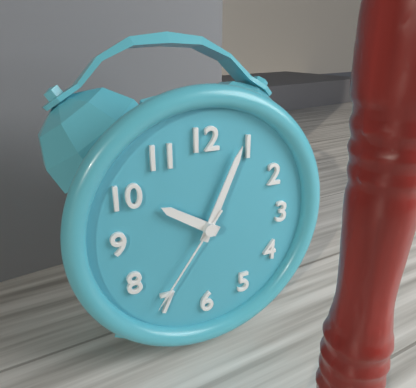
10 h 04 min 36 s
